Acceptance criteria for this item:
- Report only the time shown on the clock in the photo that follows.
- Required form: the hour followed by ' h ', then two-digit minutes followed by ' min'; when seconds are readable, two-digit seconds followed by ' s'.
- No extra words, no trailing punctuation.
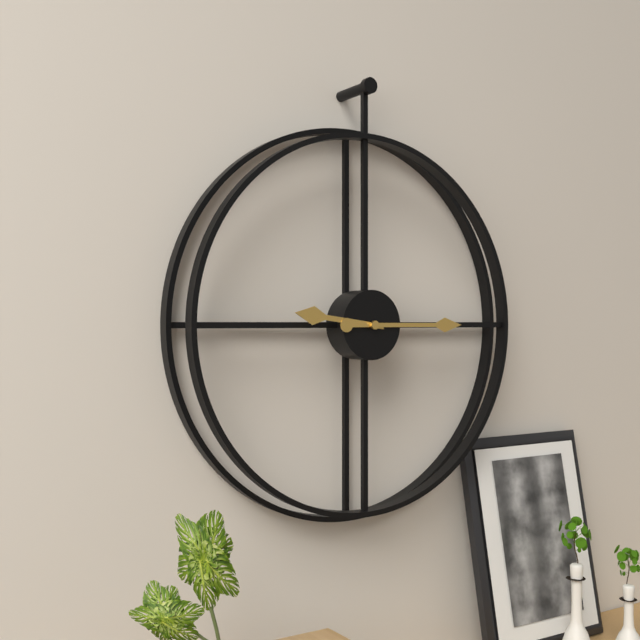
9 h 15 min
